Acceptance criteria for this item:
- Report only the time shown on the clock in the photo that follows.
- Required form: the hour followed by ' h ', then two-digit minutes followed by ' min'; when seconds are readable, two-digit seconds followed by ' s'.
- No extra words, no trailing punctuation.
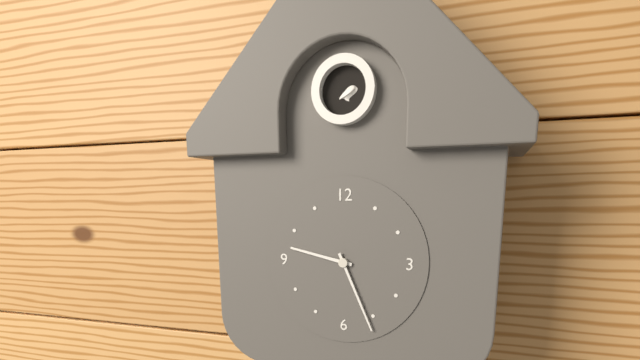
9 h 26 min
